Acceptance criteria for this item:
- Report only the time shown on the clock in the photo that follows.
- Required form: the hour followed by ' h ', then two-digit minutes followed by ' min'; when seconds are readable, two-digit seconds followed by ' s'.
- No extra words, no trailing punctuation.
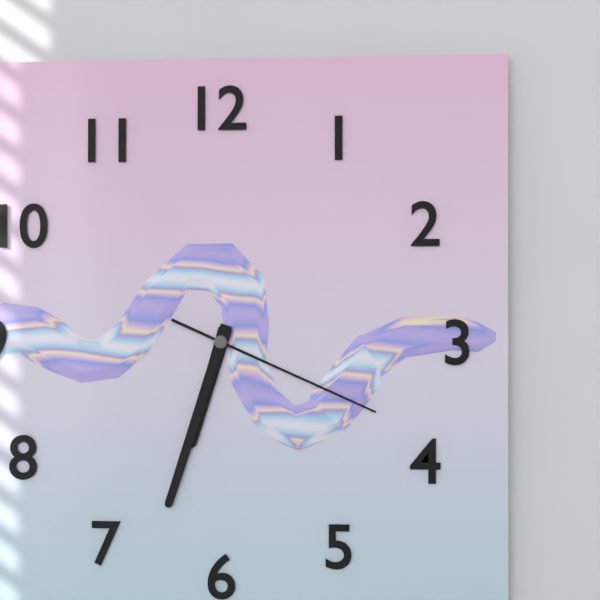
6 h 33 min 19 s
